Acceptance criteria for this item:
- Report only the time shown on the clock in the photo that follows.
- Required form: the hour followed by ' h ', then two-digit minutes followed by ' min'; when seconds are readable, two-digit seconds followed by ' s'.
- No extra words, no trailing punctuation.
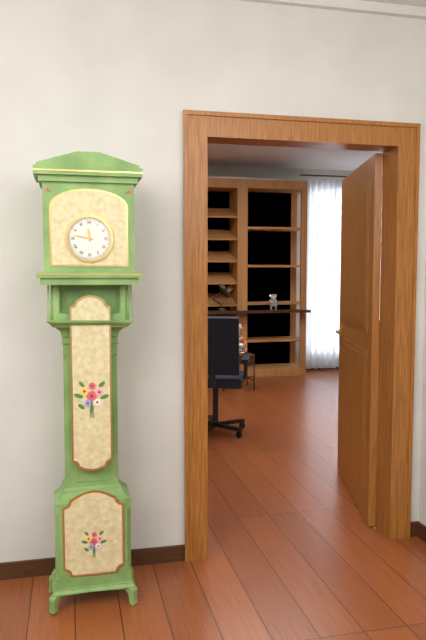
11 h 47 min
